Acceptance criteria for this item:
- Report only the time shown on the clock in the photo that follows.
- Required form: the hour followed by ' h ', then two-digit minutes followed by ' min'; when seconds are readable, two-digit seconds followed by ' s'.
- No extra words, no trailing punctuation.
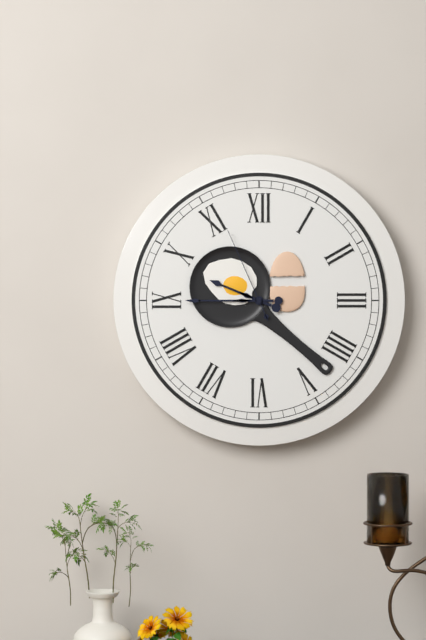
9 h 45 min 56 s
